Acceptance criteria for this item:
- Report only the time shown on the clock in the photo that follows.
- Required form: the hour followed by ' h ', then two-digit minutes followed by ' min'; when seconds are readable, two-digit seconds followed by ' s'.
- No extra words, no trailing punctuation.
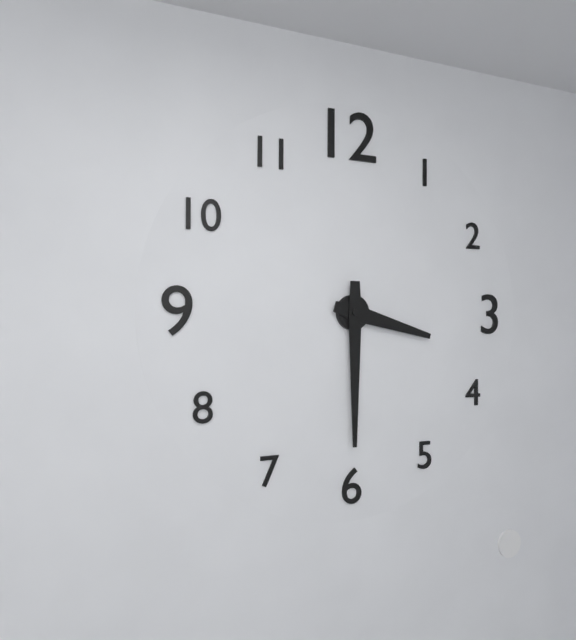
3 h 30 min
